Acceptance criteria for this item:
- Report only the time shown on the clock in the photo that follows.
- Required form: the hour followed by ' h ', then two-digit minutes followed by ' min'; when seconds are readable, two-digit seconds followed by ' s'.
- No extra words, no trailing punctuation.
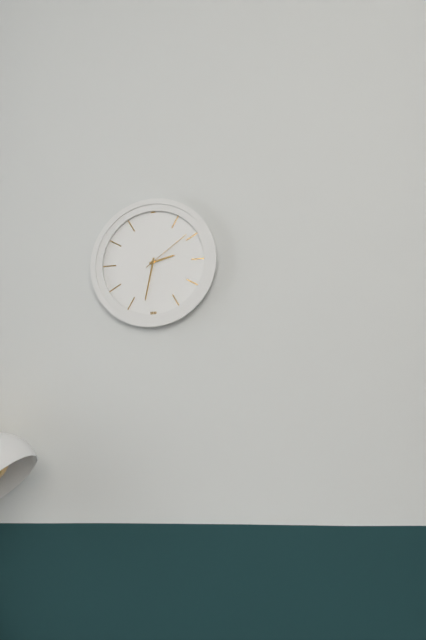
2 h 32 min 09 s
